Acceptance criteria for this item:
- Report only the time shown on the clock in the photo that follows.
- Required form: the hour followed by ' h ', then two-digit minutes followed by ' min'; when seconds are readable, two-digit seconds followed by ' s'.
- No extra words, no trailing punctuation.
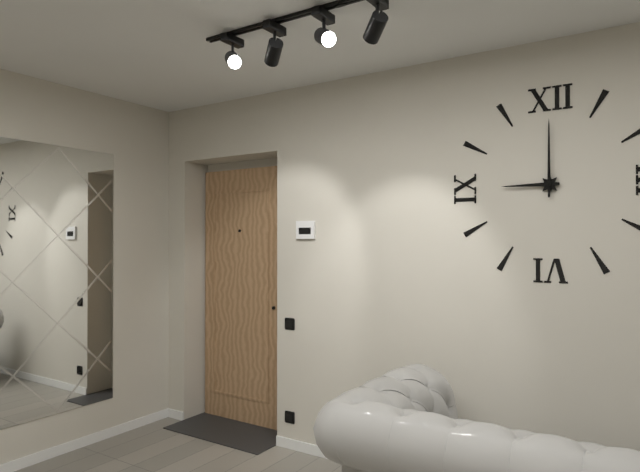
9 h 00 min
